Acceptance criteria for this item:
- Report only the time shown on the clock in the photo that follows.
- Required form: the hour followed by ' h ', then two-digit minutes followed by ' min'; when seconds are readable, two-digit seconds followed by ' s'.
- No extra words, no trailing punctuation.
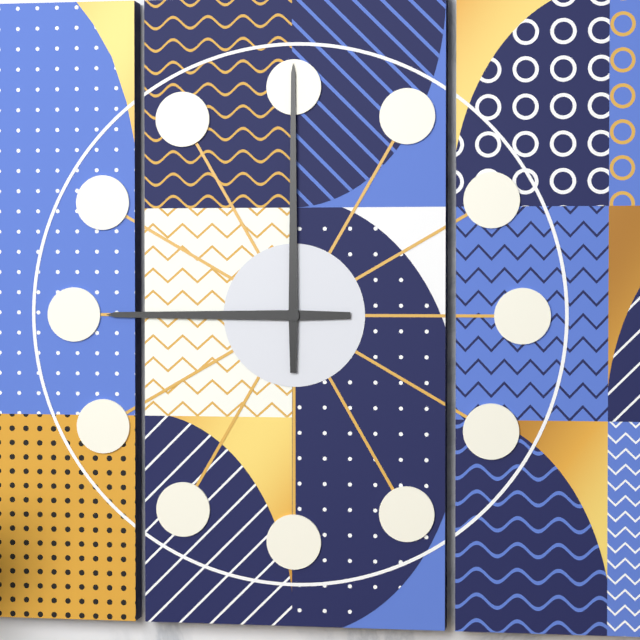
9 h 00 min
